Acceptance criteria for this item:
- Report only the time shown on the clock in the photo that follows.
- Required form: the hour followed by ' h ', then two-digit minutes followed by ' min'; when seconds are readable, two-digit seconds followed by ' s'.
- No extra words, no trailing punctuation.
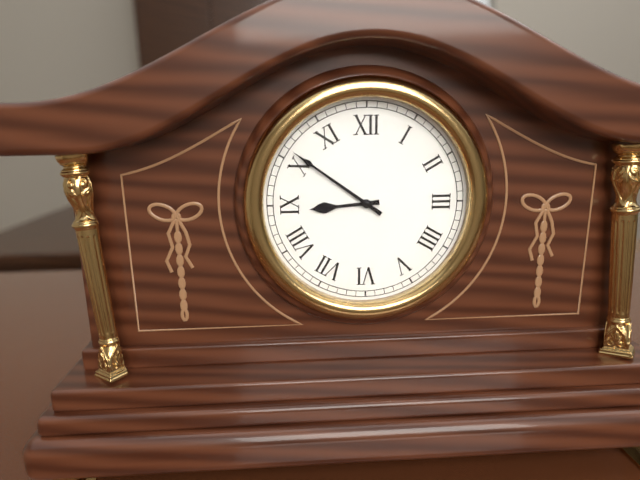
8 h 51 min
